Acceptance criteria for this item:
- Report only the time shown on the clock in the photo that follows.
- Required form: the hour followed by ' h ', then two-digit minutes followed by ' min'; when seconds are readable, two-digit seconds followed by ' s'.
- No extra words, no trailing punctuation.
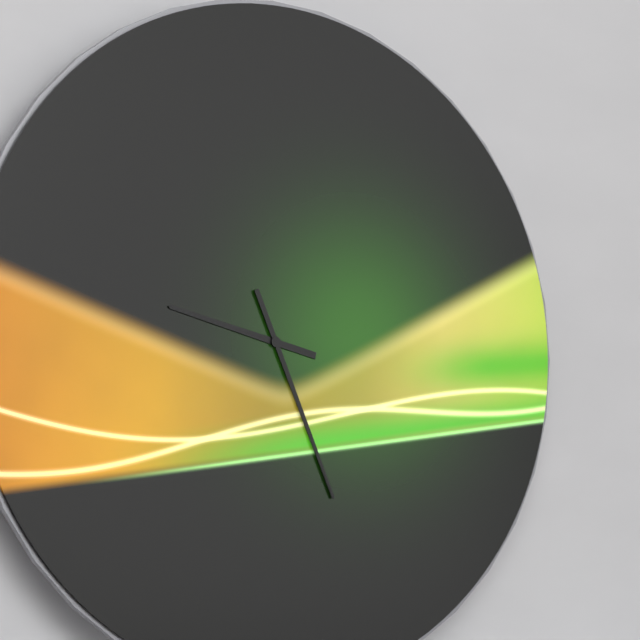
9 h 26 min
